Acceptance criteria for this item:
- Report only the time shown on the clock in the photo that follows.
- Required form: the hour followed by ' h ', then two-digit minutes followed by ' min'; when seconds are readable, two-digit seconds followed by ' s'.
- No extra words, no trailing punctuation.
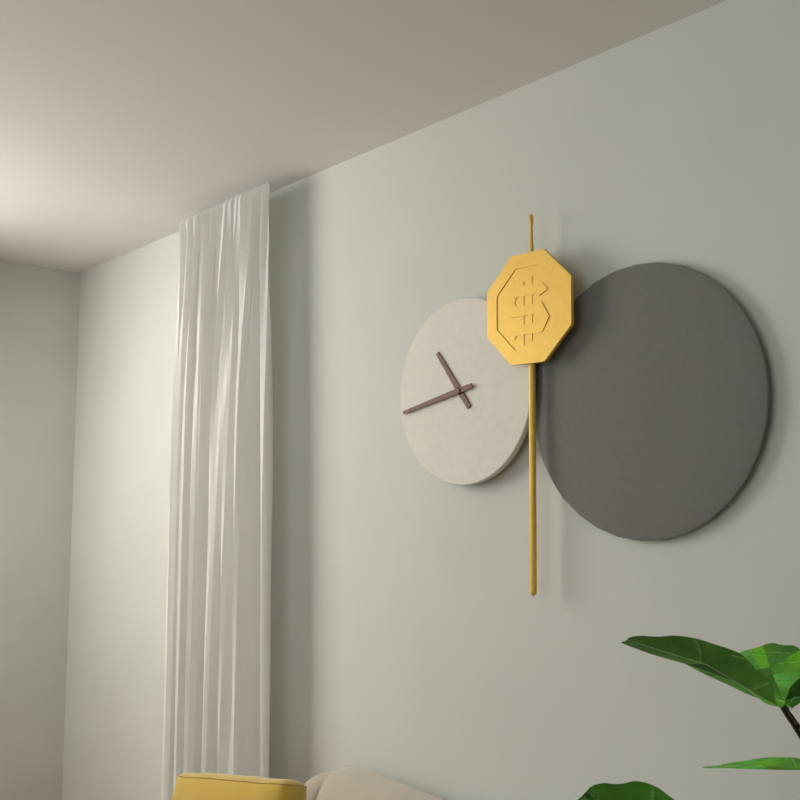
10 h 43 min
